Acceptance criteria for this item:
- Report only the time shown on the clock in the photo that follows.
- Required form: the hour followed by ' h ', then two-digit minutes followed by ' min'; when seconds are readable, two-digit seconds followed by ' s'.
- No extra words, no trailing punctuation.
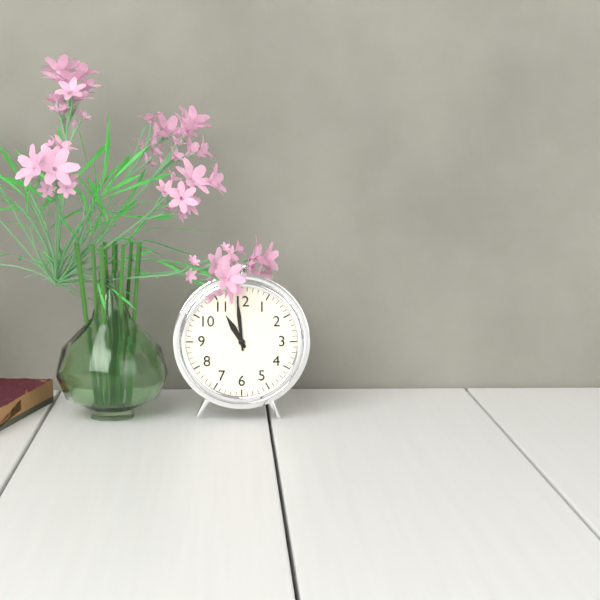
10 h 59 min
